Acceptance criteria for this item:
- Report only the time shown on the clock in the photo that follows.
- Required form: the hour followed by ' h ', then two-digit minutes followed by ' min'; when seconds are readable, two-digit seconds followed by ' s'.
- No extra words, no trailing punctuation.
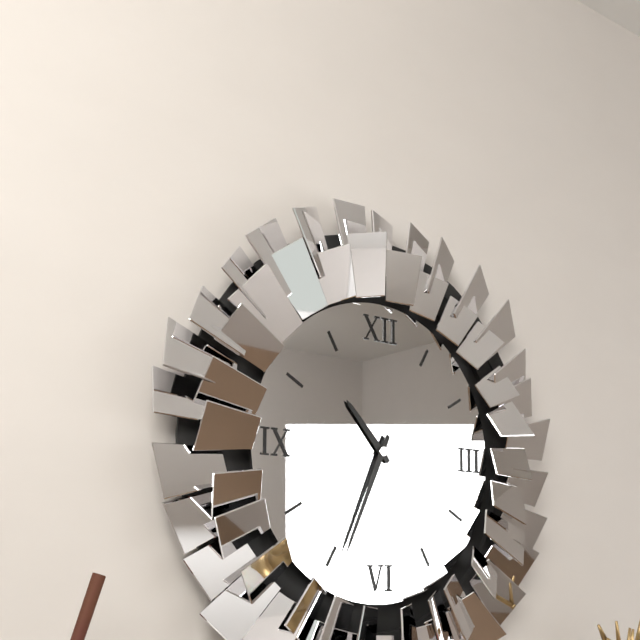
10 h 34 min
